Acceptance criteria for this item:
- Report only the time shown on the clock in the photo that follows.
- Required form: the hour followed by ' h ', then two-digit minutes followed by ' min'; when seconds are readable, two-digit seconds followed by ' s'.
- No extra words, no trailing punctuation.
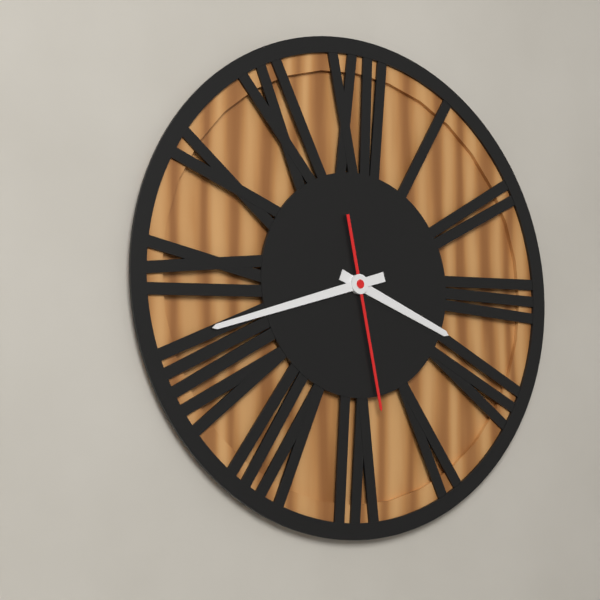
3 h 42 min 28 s
